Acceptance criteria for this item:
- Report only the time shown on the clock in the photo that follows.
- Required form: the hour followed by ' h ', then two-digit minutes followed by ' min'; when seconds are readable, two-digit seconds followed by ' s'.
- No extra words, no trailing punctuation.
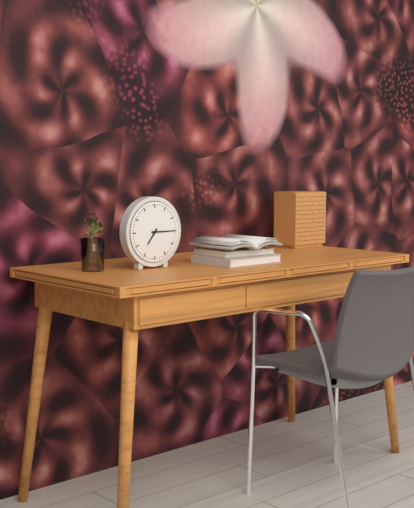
7 h 15 min
